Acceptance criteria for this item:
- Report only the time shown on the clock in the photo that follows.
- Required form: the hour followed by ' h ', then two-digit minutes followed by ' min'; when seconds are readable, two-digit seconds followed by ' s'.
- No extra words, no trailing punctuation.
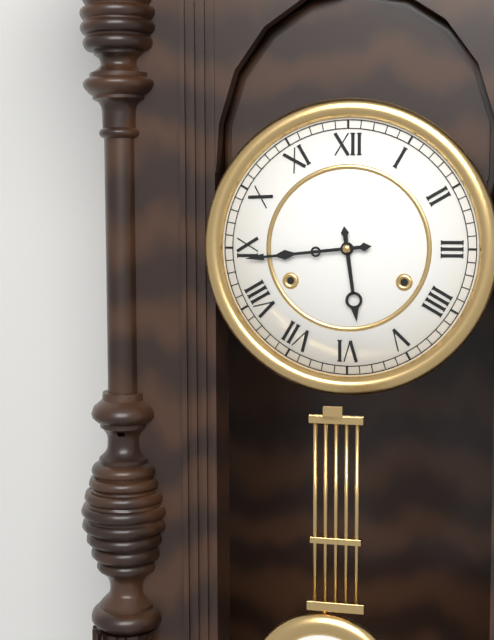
5 h 44 min
